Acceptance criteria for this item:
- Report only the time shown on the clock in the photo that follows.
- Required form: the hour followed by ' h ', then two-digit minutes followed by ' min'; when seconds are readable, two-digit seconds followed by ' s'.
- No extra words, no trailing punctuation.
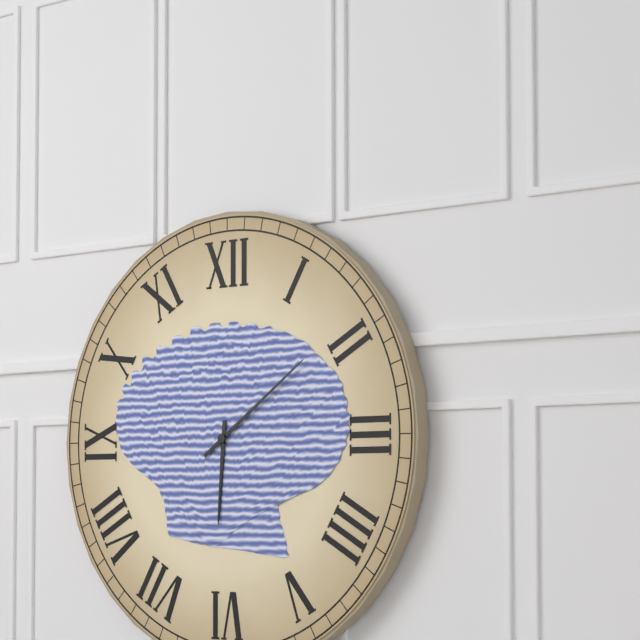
6 h 09 min
